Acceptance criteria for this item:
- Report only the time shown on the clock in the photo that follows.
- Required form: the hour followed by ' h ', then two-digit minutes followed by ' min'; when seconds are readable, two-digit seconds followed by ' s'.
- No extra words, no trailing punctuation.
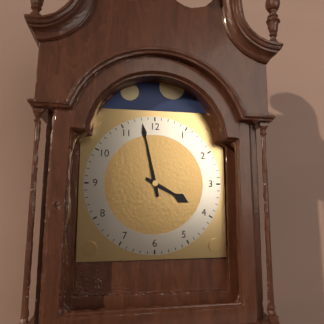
3 h 58 min
